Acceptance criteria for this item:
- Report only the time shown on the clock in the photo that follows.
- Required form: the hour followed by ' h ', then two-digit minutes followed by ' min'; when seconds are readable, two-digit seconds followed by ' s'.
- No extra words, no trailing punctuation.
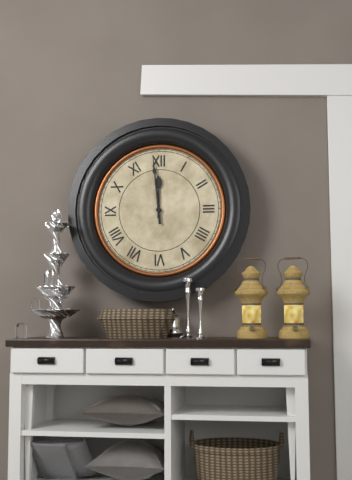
11 h 59 min
